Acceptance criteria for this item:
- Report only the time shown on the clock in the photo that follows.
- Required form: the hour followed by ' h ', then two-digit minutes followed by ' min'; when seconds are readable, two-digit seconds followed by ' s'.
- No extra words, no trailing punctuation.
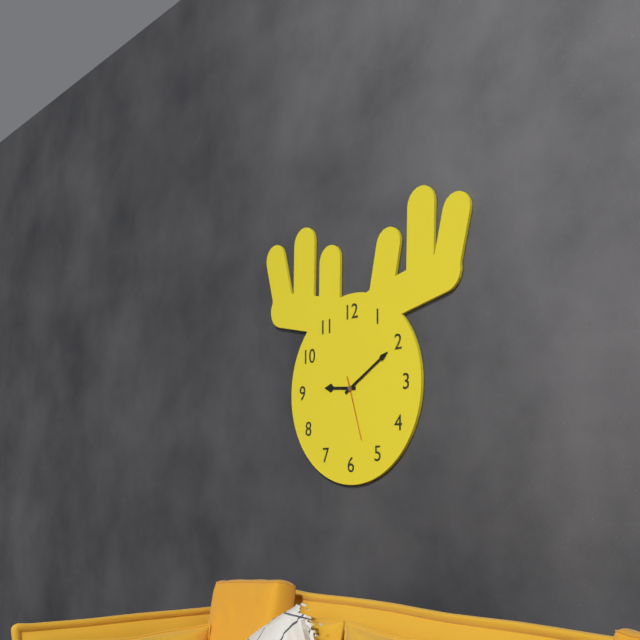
9 h 10 min 27 s
